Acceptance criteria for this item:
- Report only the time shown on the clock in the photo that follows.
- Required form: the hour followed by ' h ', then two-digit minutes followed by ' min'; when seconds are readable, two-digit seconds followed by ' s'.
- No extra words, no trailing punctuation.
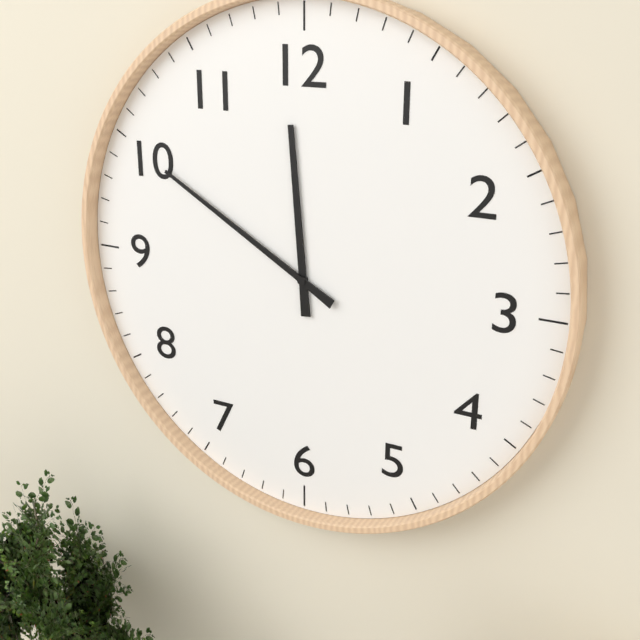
11 h 50 min
